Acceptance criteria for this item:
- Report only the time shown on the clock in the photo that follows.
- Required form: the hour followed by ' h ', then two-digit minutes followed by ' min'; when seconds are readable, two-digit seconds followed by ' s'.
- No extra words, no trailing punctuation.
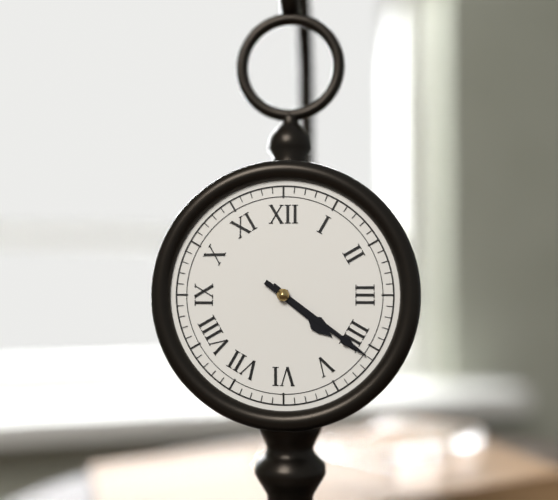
4 h 21 min
